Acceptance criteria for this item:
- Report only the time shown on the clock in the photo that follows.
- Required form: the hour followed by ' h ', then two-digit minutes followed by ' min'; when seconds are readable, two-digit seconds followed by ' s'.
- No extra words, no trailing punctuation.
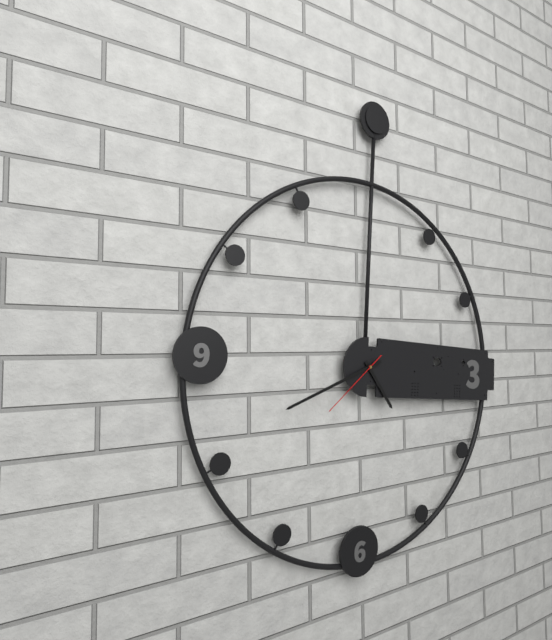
4 h 41 min 38 s
